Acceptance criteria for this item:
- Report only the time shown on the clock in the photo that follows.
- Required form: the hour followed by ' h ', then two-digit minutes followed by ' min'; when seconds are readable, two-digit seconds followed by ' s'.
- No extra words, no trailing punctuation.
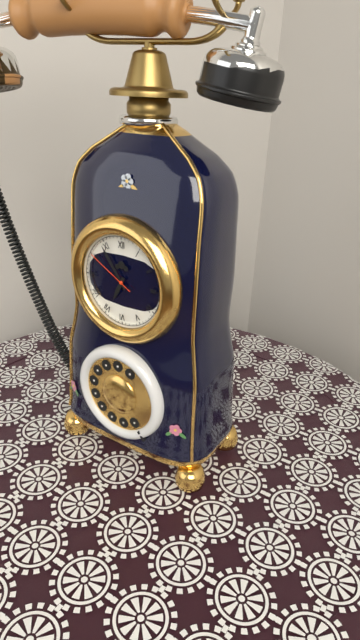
6 h 54 min 50 s
